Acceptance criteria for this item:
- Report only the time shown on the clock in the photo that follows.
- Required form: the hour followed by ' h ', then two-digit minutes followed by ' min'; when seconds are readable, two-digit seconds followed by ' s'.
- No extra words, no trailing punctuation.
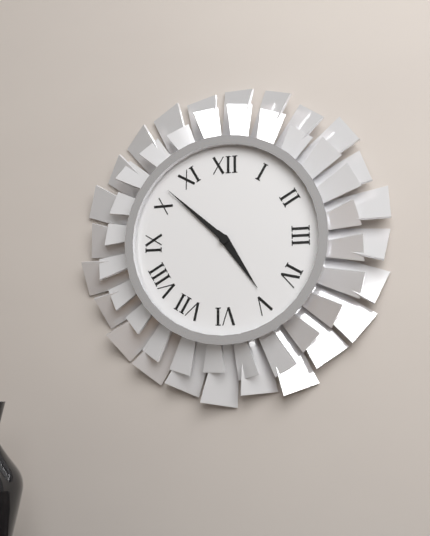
4 h 52 min
